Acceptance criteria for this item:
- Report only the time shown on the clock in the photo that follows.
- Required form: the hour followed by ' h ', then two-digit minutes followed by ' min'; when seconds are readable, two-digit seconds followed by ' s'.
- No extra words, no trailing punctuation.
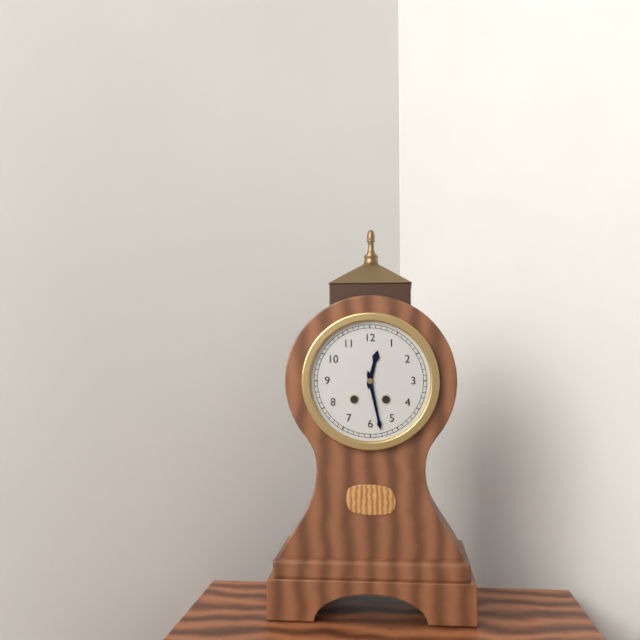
12 h 28 min
